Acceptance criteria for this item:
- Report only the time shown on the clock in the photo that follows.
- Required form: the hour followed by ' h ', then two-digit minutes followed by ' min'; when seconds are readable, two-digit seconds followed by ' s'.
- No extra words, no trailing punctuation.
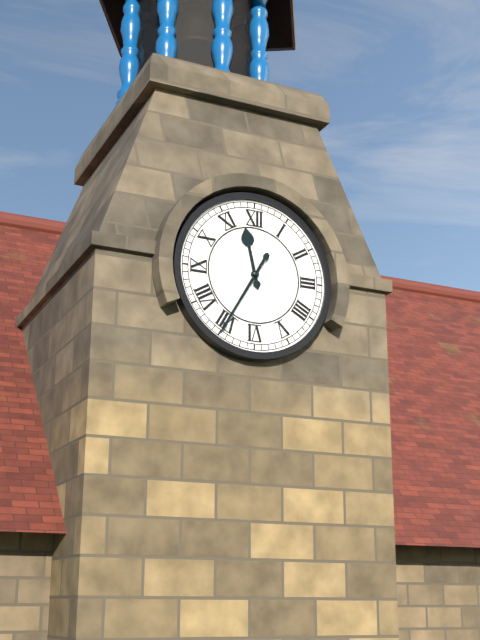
11 h 35 min
